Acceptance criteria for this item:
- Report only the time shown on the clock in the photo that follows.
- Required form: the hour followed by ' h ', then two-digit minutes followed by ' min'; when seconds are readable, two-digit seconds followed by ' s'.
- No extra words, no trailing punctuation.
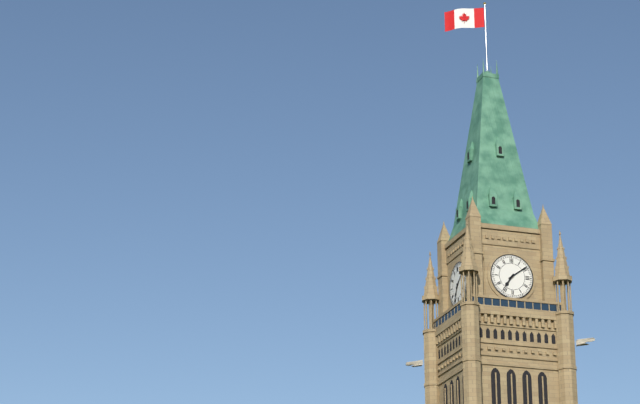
7 h 09 min
